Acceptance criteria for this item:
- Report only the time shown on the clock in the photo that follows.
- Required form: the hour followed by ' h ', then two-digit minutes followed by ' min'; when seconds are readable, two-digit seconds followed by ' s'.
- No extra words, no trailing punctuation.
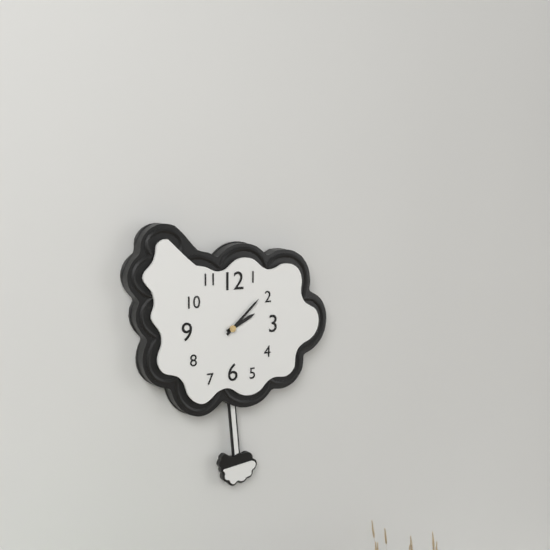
2 h 08 min
